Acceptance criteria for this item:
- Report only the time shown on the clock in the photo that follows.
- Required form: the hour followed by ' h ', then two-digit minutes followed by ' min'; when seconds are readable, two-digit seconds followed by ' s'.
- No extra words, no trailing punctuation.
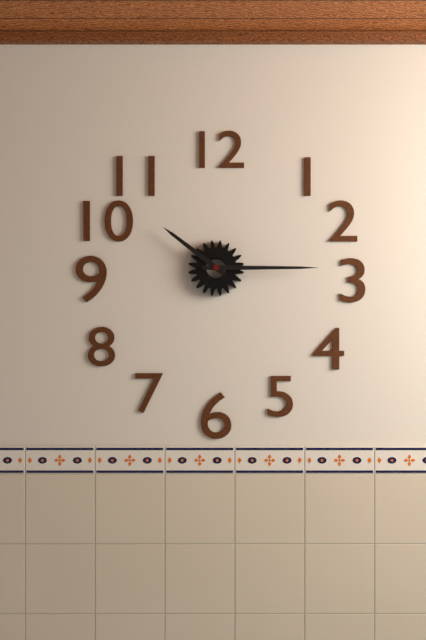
10 h 15 min
